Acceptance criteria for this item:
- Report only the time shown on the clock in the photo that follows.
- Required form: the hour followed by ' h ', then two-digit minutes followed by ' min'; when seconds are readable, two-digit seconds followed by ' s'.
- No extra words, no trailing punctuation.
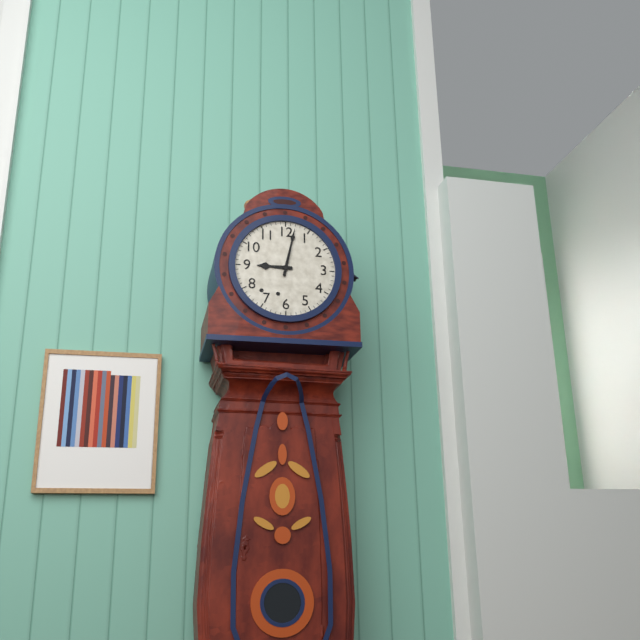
9 h 02 min
